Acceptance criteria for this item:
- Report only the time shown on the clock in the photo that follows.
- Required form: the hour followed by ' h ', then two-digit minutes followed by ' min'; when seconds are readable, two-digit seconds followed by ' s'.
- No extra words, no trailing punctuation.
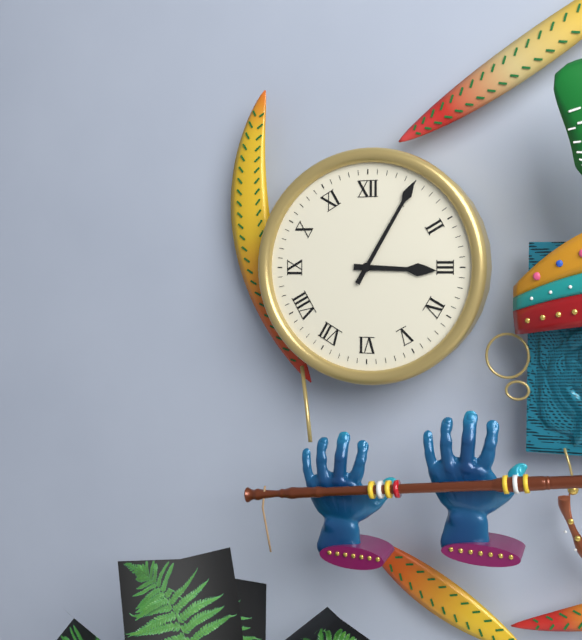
3 h 05 min
